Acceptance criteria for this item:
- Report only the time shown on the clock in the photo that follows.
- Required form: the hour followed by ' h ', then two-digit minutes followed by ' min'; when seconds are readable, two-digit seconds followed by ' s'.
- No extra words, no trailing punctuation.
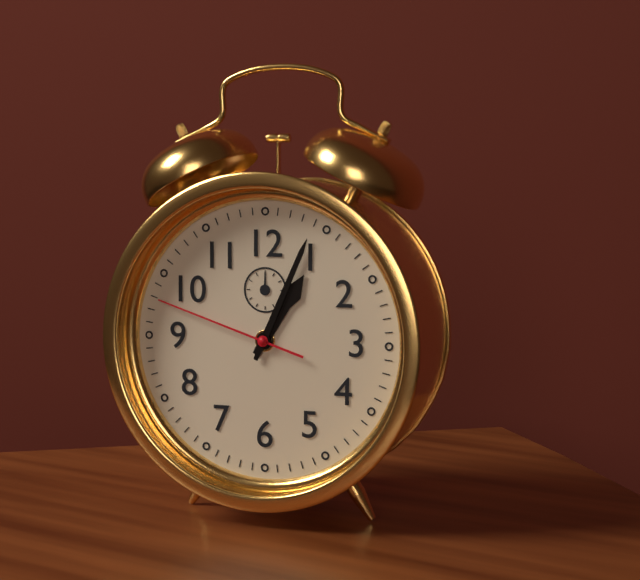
1 h 04 min 48 s
